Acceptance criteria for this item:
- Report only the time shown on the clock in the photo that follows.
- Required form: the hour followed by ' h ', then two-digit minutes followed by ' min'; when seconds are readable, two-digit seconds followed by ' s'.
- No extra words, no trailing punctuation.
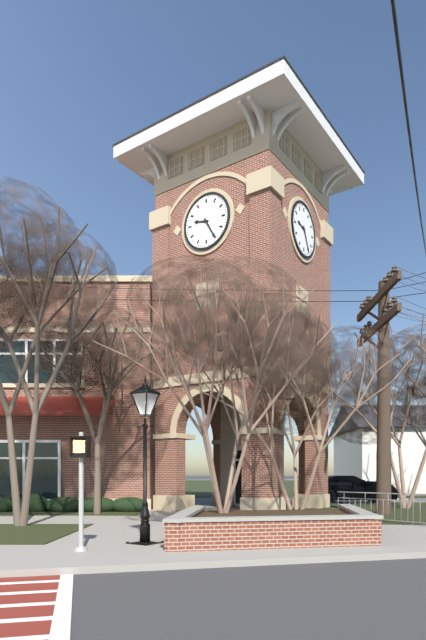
9 h 25 min
